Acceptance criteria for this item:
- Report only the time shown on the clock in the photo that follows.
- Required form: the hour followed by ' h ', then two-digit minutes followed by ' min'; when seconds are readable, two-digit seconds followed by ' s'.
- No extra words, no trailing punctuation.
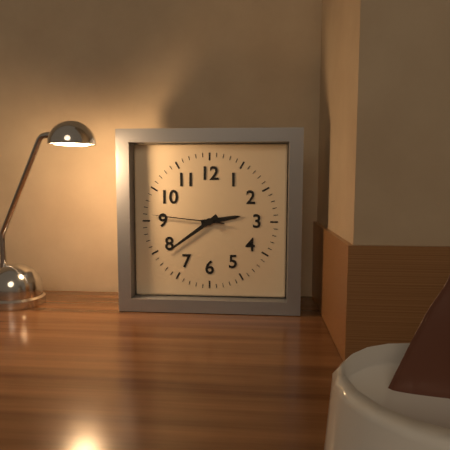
2 h 39 min 46 s
